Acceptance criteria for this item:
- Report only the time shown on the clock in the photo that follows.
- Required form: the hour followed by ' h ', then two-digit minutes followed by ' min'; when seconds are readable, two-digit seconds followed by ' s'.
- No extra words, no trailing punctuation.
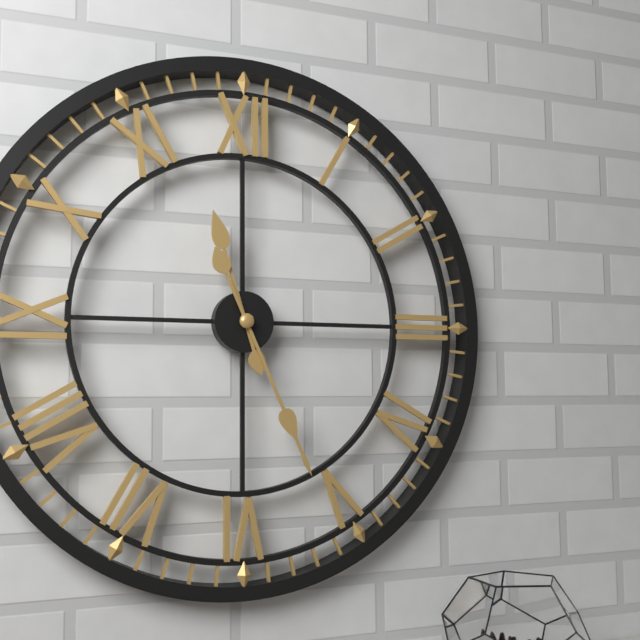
11 h 26 min
